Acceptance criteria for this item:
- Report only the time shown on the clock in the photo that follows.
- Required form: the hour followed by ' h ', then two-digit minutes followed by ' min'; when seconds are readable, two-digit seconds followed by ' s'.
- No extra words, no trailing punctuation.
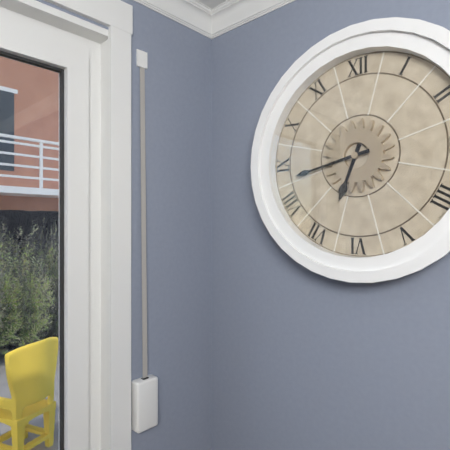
6 h 43 min
